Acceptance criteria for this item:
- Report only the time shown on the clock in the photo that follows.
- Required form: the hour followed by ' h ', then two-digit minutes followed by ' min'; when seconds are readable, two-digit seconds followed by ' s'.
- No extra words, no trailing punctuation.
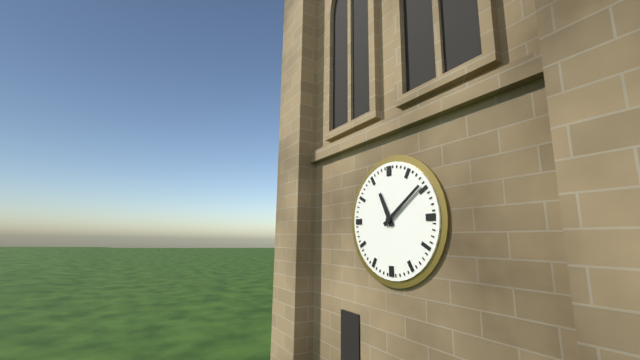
11 h 09 min
